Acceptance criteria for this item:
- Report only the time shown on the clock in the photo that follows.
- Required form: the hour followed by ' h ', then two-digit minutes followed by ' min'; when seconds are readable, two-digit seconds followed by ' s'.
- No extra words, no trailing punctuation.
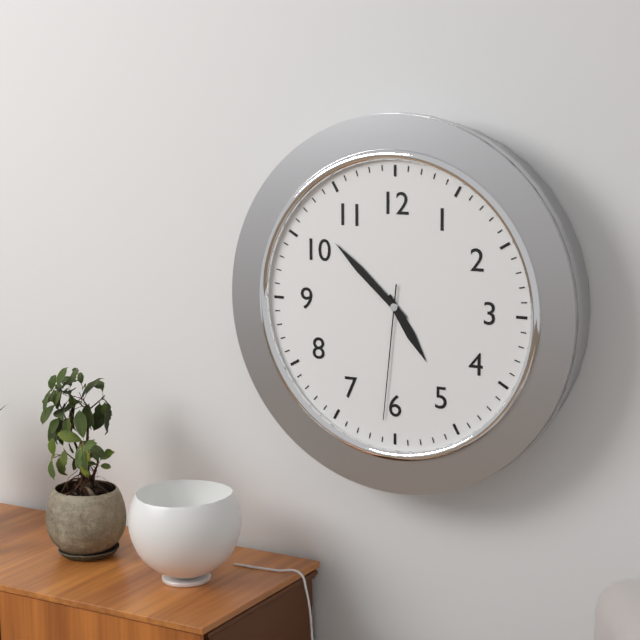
4 h 52 min 31 s
